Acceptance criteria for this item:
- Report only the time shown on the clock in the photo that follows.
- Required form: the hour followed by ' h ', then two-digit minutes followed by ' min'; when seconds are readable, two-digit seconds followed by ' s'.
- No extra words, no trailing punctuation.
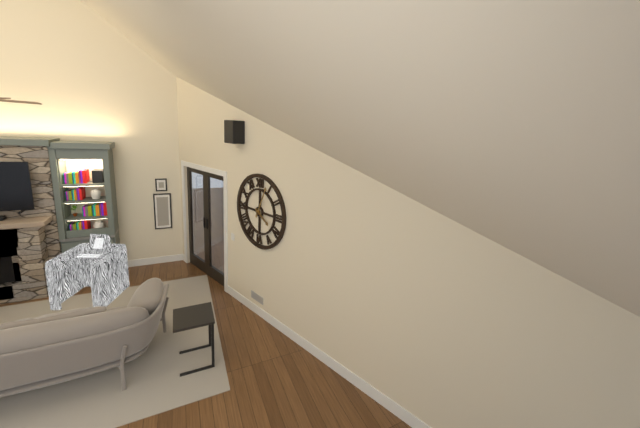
4 h 04 min
